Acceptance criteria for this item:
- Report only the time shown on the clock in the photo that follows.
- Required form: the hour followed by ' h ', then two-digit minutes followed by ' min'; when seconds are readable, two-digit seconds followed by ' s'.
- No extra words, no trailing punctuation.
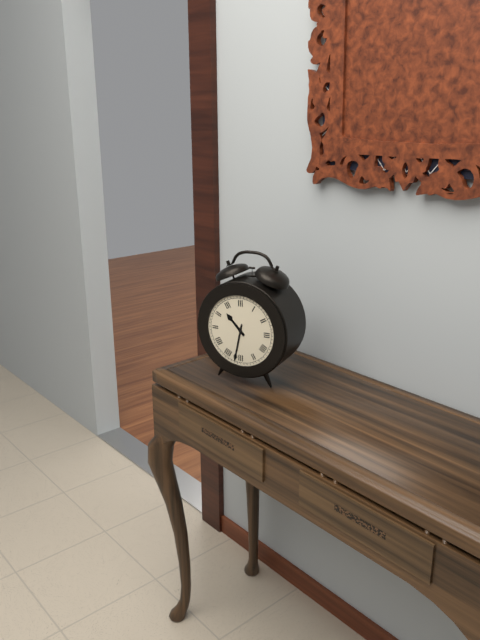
10 h 32 min
